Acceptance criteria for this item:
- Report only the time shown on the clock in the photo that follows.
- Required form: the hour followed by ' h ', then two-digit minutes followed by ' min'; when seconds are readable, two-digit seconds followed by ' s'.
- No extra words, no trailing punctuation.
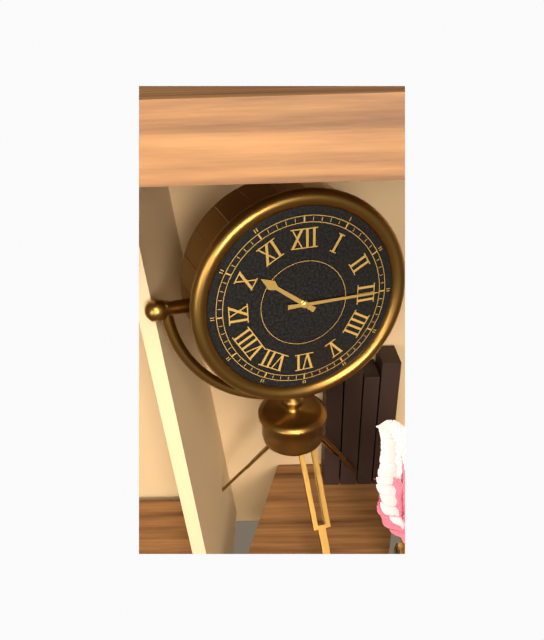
10 h 15 min
